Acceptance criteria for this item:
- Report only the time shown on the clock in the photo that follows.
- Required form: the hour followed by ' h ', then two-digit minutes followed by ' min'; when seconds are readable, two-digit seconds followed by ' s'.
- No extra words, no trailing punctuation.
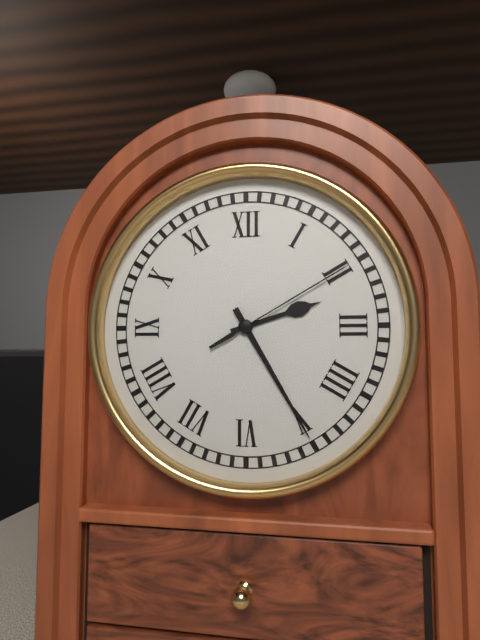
2 h 25 min 10 s
